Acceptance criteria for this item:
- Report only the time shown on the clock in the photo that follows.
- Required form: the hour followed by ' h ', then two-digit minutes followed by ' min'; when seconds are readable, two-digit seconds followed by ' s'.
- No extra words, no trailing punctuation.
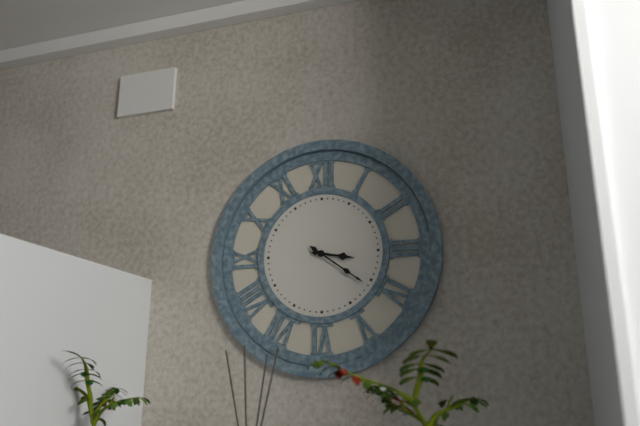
3 h 21 min
